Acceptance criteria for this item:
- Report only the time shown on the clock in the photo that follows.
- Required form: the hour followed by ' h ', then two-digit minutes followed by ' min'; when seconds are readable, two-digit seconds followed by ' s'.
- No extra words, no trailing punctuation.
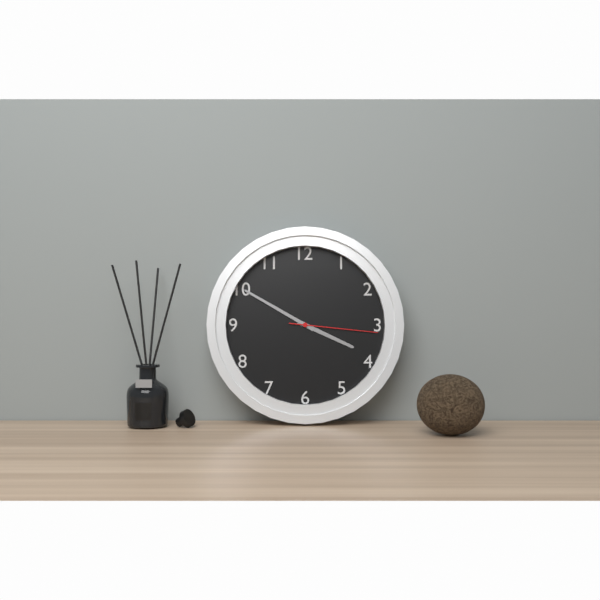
3 h 50 min 16 s
